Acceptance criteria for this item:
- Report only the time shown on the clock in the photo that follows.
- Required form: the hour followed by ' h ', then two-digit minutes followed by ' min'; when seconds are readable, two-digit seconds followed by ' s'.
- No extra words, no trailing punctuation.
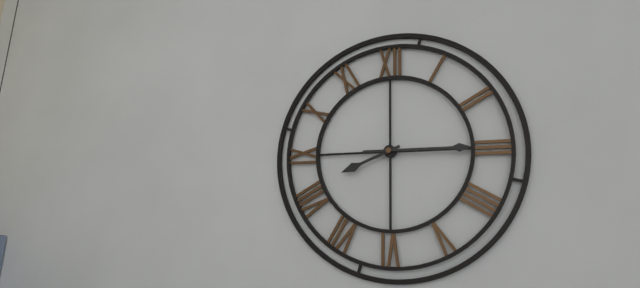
8 h 15 min
